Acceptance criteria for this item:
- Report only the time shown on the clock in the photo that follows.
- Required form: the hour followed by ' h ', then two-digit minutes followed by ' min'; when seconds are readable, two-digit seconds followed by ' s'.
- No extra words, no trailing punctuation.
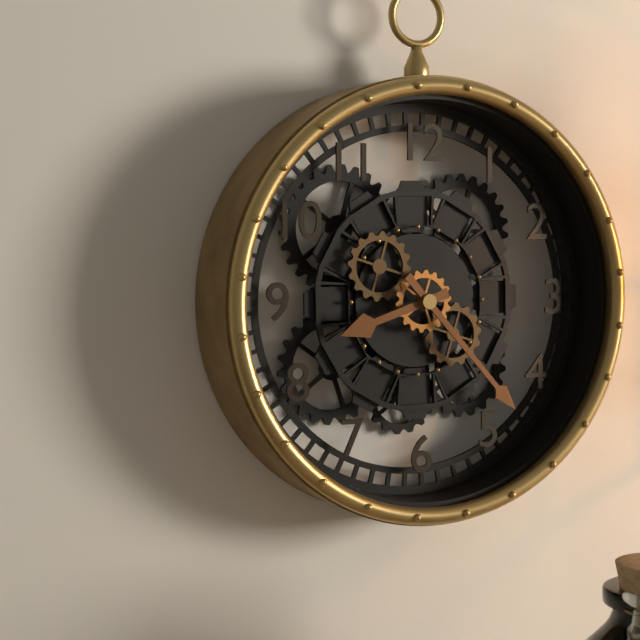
8 h 23 min
